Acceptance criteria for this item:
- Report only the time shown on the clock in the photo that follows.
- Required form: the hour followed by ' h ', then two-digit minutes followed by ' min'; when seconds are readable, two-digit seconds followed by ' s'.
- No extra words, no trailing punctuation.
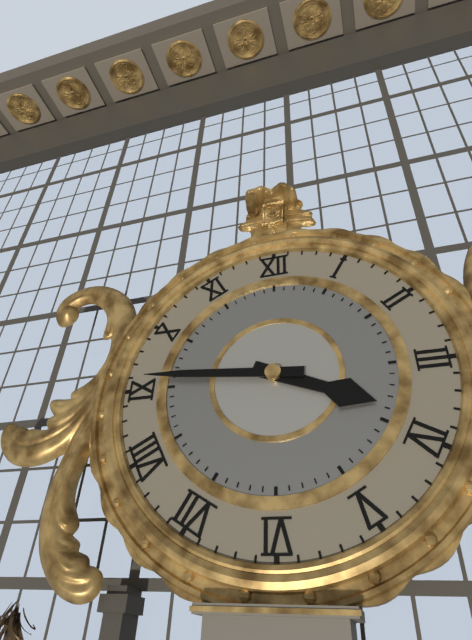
3 h 46 min
